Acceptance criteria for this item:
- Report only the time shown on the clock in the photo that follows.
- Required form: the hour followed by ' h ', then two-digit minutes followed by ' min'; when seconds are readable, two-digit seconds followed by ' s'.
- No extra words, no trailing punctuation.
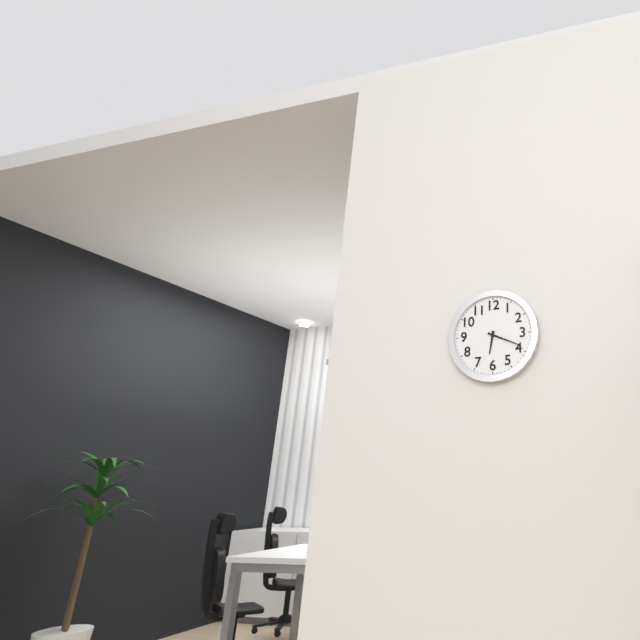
6 h 19 min
